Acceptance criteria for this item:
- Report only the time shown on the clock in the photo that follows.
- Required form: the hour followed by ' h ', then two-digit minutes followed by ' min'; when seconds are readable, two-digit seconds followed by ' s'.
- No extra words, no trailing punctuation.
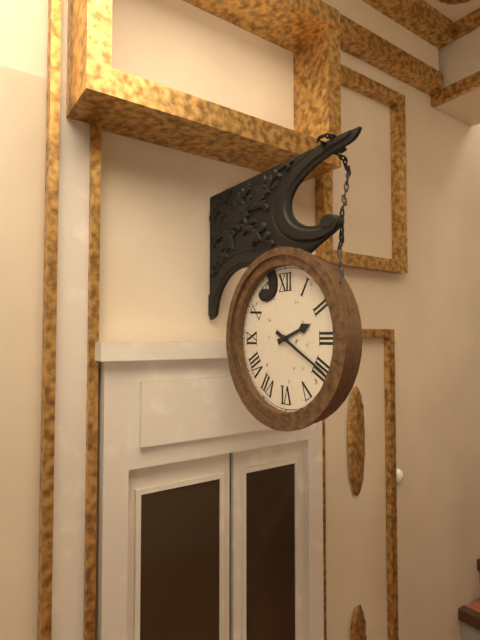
2 h 20 min
